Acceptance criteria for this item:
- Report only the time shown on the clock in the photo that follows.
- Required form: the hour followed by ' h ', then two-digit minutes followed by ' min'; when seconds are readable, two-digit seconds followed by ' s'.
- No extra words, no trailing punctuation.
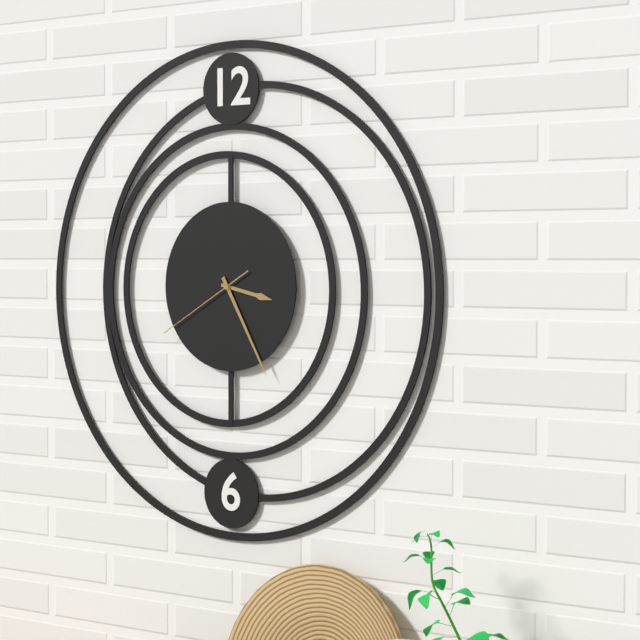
3 h 25 min 40 s
